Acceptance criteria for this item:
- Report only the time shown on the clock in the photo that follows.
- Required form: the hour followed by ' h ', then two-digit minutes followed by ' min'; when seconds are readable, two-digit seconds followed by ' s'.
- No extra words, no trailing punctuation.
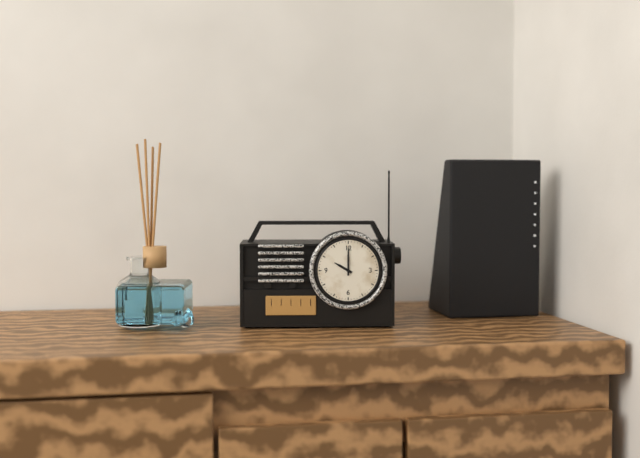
10 h 00 min
